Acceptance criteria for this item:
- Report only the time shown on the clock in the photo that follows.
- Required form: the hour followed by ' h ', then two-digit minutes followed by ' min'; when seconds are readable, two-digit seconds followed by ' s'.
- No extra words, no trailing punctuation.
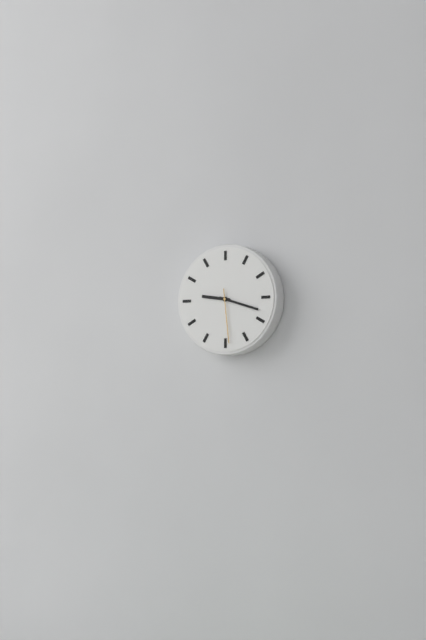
9 h 18 min 29 s
